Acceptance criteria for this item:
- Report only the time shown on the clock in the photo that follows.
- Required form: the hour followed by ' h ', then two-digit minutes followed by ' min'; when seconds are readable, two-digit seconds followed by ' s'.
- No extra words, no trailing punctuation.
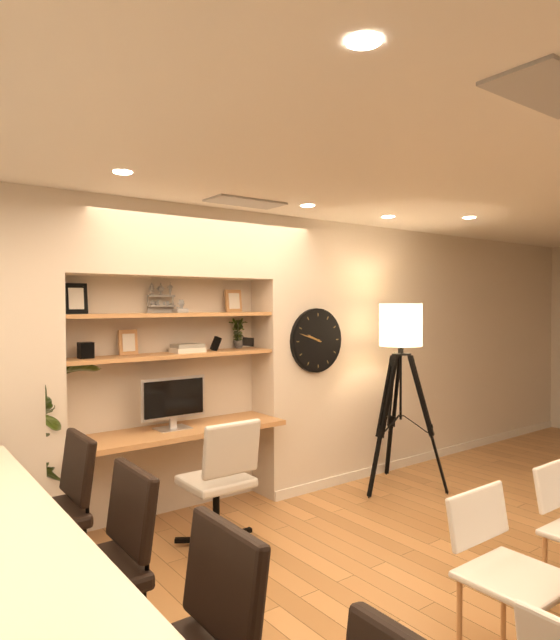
9 h 48 min
